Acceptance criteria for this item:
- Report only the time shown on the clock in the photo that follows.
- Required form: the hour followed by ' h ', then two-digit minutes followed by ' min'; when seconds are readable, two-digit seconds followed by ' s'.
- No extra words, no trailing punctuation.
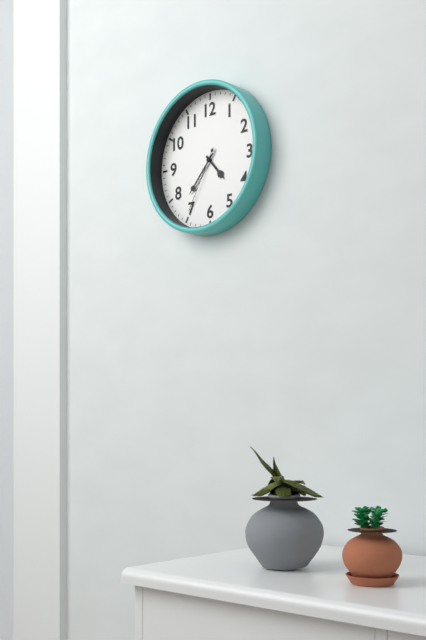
4 h 37 min 35 s
